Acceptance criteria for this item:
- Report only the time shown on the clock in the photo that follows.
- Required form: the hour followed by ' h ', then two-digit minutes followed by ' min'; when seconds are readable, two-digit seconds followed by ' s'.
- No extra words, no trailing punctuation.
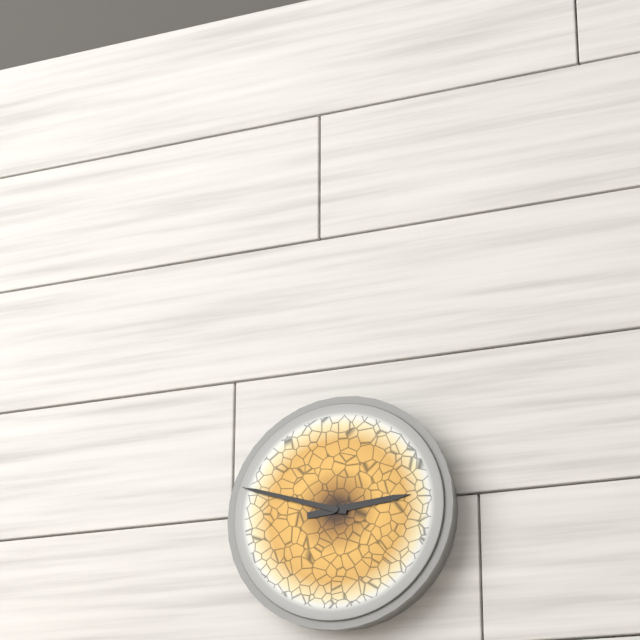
2 h 48 min
